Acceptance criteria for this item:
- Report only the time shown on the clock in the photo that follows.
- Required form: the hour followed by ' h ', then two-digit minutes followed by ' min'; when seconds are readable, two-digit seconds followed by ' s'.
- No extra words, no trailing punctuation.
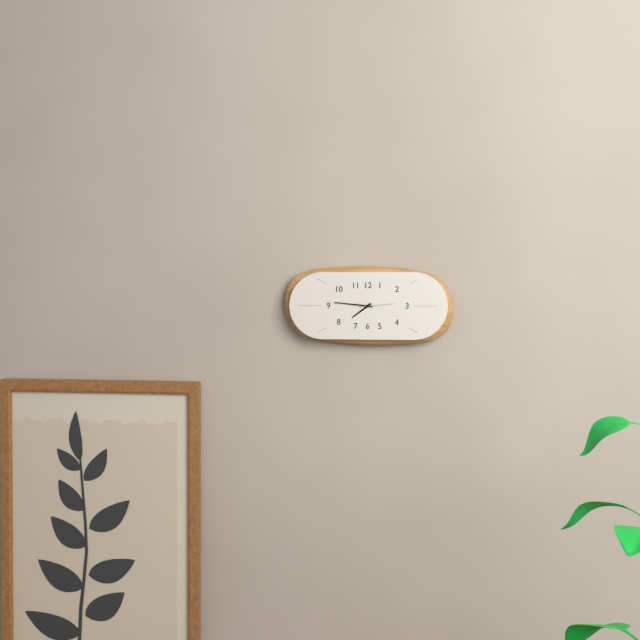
7 h 46 min
